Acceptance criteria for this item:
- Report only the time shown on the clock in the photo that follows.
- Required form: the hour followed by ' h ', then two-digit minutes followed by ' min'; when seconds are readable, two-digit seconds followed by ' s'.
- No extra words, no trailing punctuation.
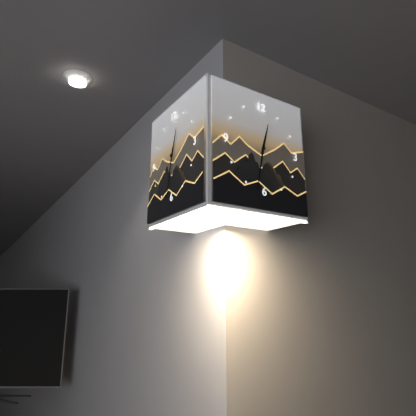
12 h 32 min
